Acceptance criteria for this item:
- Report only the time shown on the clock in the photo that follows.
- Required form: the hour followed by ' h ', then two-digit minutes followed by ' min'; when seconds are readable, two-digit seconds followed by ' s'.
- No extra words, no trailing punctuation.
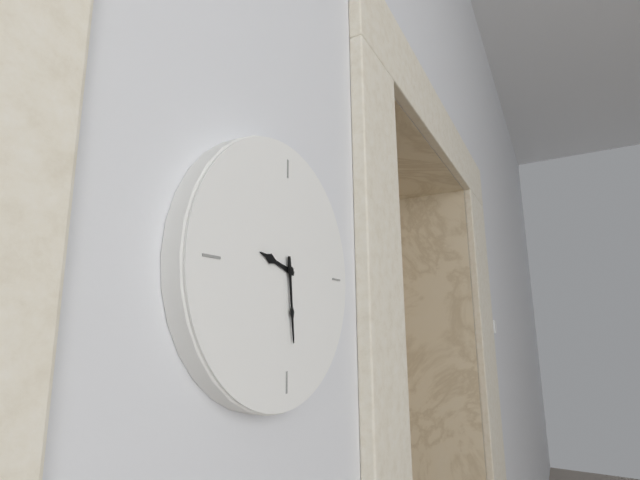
9 h 29 min
